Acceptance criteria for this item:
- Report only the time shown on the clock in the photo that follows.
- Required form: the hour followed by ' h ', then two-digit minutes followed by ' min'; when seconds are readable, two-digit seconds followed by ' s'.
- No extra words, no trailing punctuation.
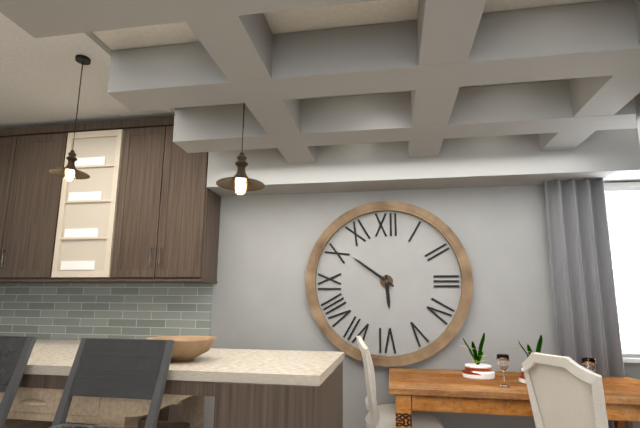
5 h 51 min
